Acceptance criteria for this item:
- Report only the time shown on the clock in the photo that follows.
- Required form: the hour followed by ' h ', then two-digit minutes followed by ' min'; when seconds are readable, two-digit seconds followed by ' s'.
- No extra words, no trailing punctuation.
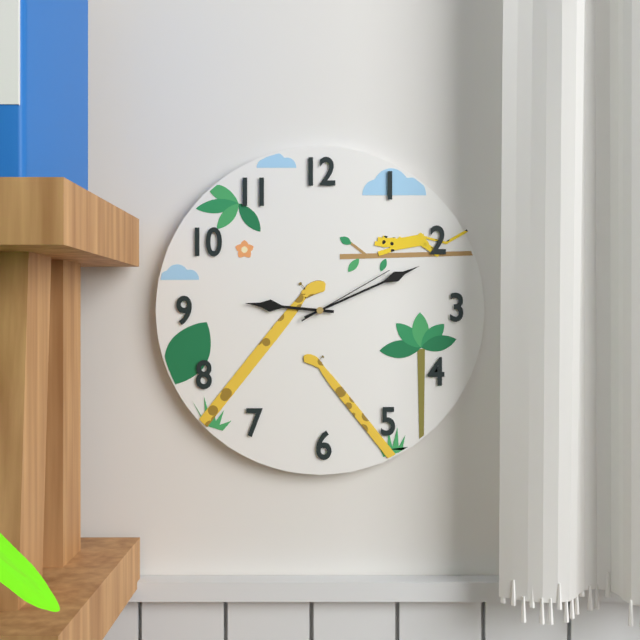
9 h 11 min 10 s
